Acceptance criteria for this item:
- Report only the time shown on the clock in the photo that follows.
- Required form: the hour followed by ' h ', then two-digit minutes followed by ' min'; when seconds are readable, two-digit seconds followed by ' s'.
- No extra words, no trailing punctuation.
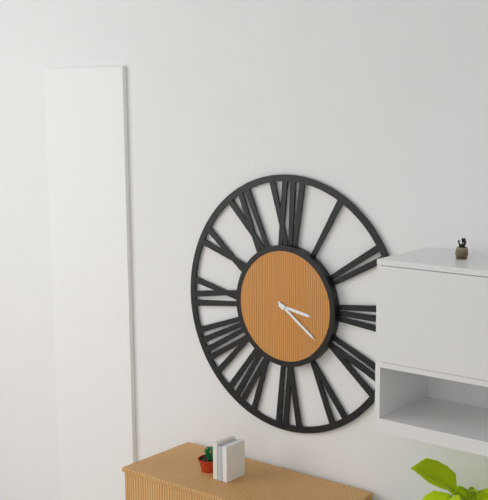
3 h 21 min
